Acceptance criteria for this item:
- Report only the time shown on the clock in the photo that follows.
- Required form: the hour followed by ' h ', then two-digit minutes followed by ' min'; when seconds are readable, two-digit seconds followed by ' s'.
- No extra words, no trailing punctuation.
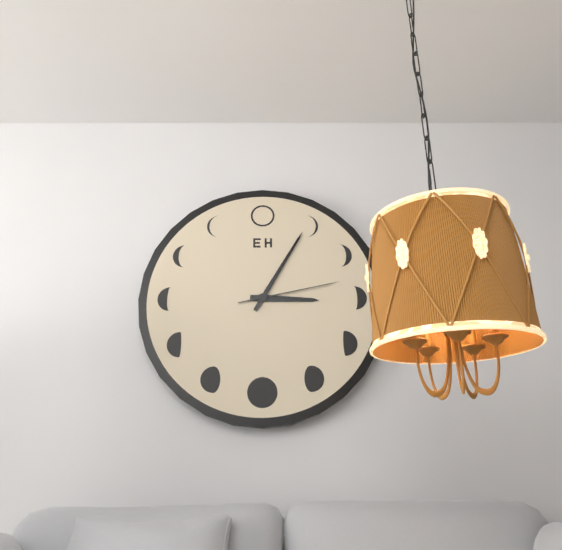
3 h 05 min 13 s
